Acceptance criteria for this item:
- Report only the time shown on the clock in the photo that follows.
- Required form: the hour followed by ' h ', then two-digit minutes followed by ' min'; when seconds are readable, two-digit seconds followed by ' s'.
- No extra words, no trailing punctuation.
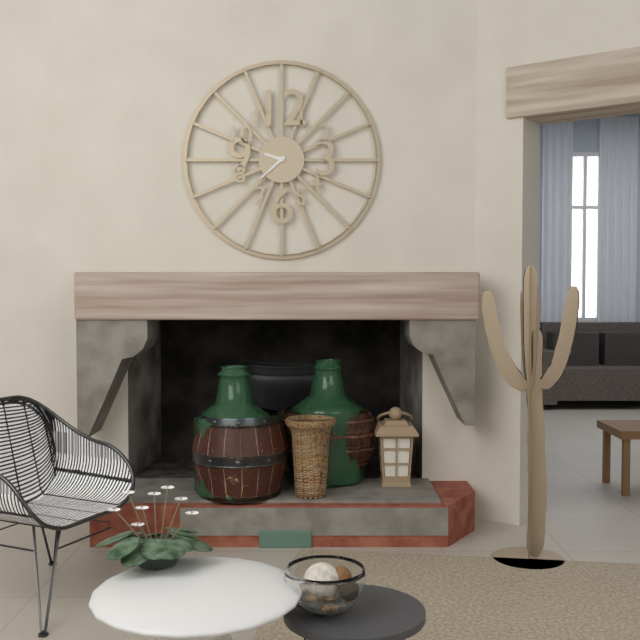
9 h 38 min
